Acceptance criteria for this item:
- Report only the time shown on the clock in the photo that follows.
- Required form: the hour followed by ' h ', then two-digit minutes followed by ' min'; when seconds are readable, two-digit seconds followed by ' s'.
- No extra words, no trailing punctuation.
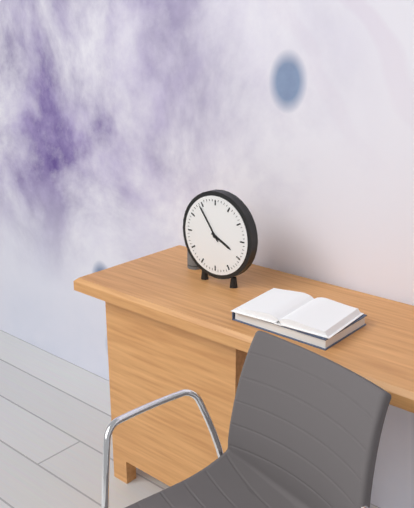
3 h 54 min
